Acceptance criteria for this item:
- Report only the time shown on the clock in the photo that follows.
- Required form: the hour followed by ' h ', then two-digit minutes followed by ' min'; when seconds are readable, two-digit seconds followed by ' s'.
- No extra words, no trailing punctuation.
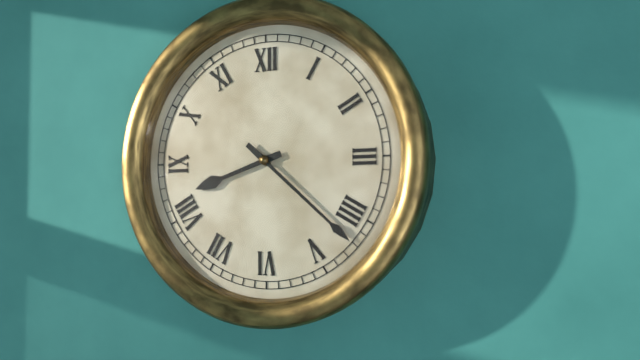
8 h 22 min
